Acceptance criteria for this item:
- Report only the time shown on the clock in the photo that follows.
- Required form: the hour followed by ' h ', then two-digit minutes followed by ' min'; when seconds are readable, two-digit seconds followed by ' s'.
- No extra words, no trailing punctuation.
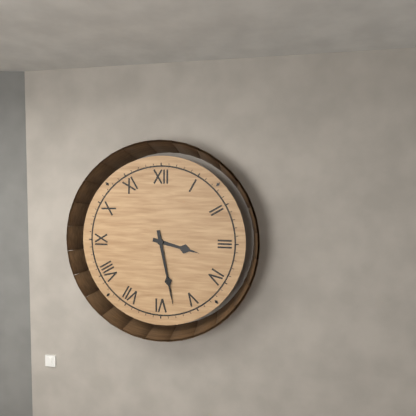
3 h 28 min
